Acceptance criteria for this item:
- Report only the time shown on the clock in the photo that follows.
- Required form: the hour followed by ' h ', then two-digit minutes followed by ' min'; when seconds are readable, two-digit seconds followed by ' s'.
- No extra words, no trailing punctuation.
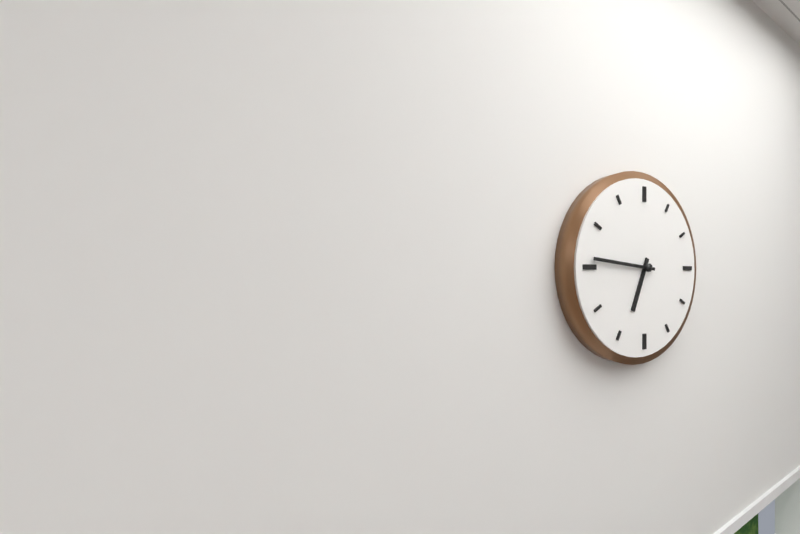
6 h 46 min
